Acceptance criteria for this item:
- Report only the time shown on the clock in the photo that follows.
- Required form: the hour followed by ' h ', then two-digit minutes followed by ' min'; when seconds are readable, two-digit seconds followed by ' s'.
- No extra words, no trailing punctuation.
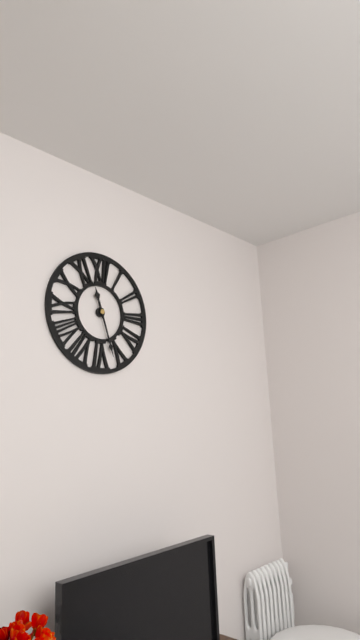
11 h 27 min
